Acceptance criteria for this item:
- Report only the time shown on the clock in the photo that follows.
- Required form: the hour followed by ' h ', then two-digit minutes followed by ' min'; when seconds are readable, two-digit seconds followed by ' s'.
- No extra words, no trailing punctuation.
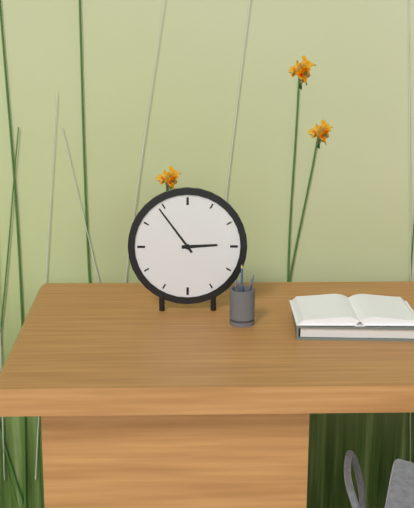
2 h 54 min
